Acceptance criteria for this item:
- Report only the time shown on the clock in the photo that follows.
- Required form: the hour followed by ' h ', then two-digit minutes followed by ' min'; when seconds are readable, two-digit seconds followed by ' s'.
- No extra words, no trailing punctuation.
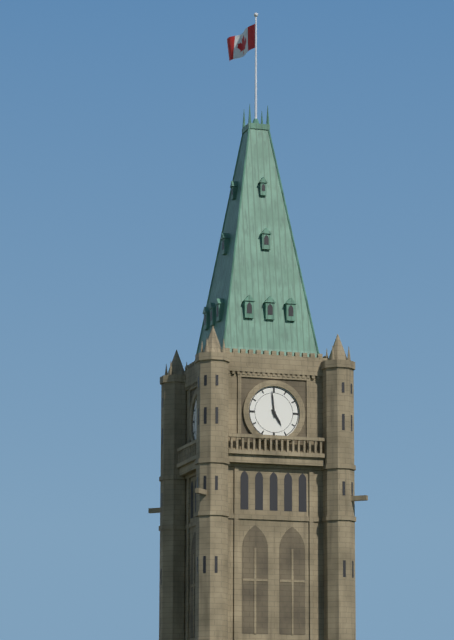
4 h 59 min
